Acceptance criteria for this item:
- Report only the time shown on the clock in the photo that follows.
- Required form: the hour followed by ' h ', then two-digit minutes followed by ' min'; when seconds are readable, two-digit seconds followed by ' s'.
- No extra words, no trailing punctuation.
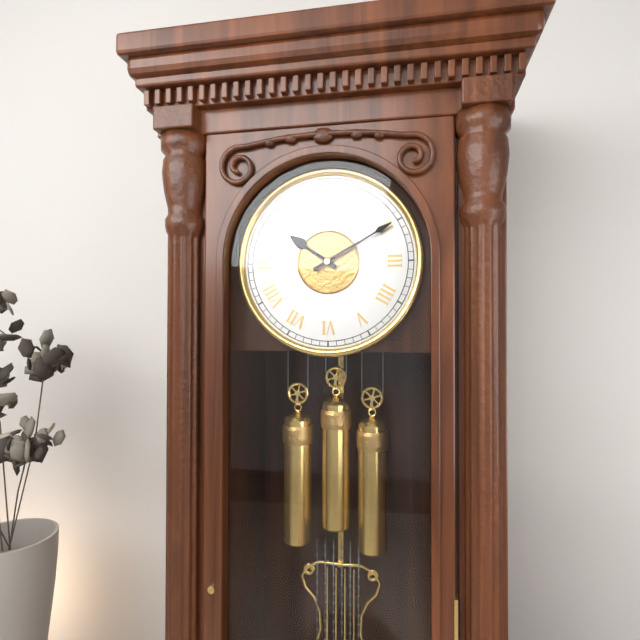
10 h 10 min
